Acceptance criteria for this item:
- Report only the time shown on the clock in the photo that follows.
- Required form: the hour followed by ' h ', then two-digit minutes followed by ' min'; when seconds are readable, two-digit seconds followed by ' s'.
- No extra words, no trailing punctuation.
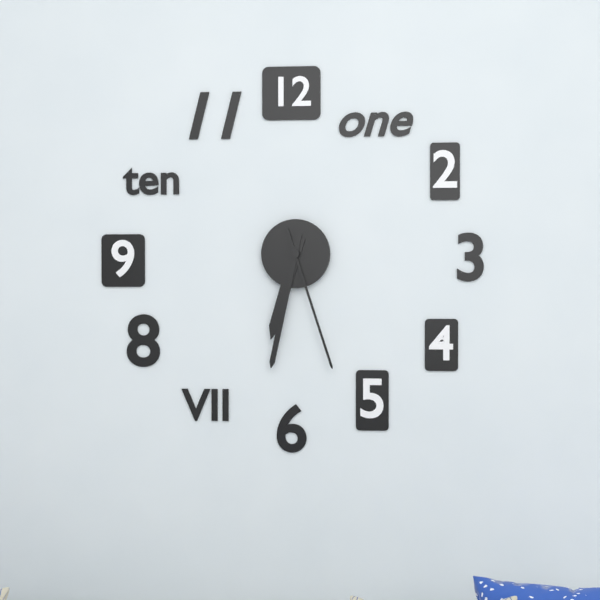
6 h 32 min 27 s
